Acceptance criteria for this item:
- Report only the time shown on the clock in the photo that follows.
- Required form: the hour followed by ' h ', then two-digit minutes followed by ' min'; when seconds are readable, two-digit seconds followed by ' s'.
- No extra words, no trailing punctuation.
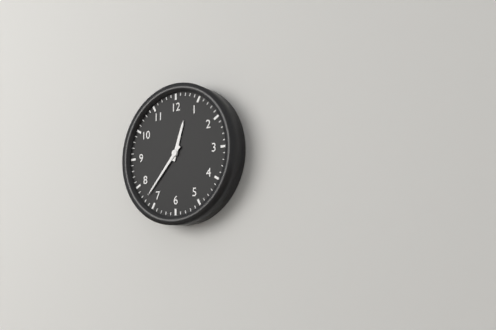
12 h 37 min
